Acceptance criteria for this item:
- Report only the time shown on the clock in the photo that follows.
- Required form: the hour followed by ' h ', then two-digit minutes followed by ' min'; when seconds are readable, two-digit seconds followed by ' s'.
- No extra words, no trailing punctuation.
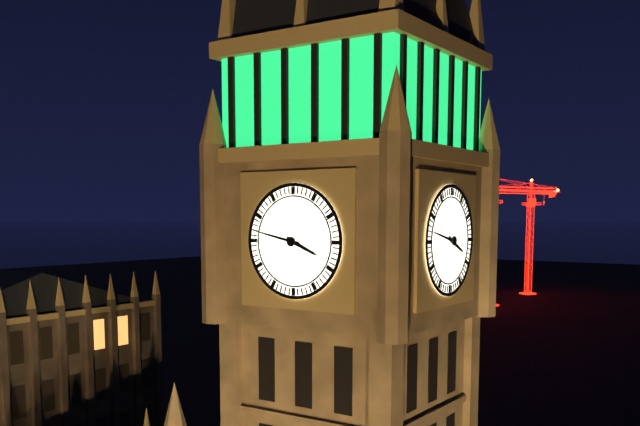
3 h 47 min
